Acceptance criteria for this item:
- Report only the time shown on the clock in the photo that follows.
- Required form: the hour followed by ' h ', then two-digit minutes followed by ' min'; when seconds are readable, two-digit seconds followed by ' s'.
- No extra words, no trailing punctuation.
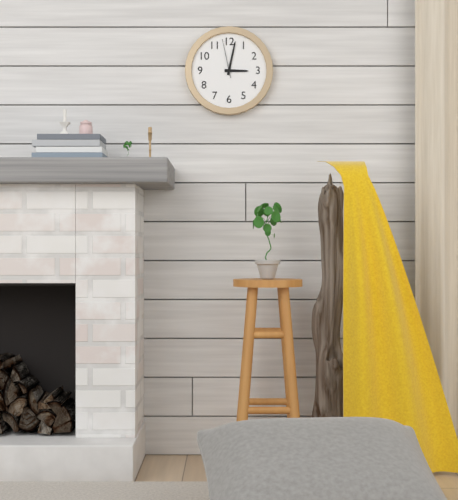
3 h 02 min
